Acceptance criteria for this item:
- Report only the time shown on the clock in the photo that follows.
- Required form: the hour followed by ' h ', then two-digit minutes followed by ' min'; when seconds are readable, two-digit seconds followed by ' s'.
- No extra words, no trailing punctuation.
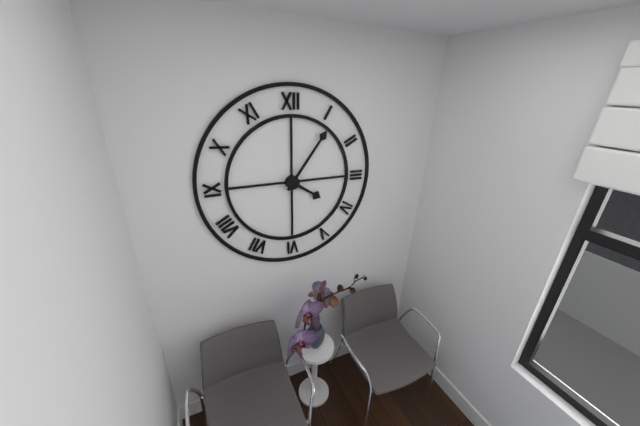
4 h 06 min
